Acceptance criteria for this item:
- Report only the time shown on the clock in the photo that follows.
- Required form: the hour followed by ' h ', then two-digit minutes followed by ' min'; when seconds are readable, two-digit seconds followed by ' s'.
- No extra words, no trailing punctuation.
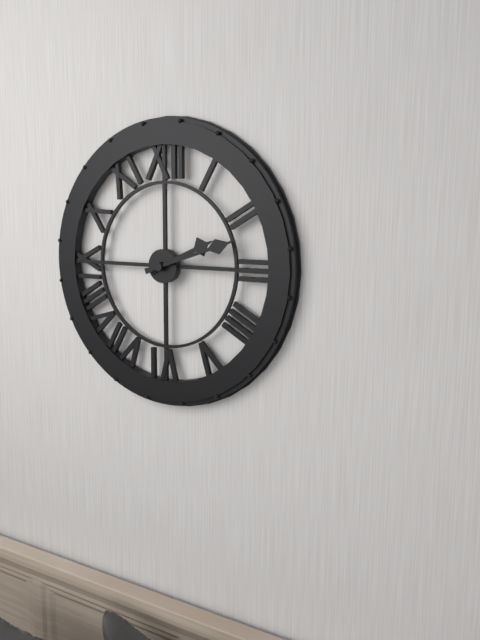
2 h 12 min
